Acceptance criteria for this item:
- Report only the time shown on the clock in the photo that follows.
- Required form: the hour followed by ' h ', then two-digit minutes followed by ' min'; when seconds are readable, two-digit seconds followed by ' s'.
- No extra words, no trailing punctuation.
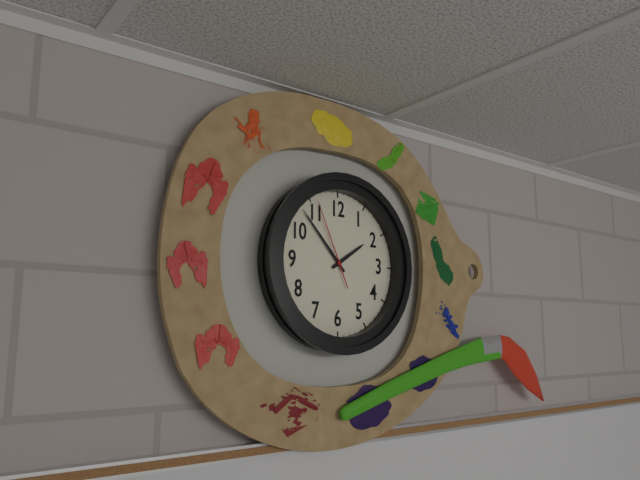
1 h 53 min 56 s
